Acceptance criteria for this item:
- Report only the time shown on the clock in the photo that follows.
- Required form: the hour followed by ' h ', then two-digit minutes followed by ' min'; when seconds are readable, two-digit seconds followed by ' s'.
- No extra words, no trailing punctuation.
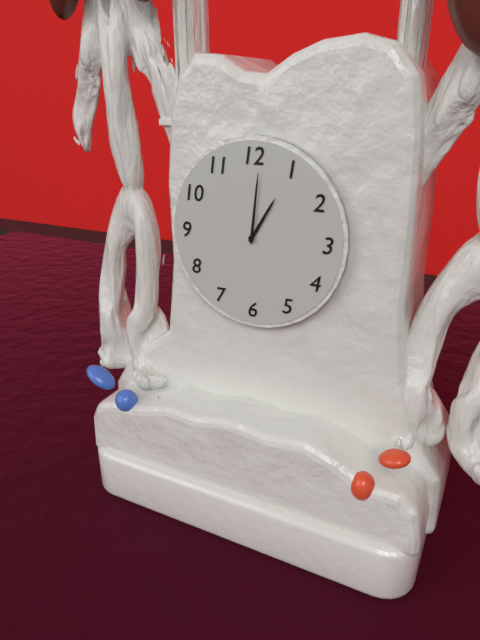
1 h 01 min
